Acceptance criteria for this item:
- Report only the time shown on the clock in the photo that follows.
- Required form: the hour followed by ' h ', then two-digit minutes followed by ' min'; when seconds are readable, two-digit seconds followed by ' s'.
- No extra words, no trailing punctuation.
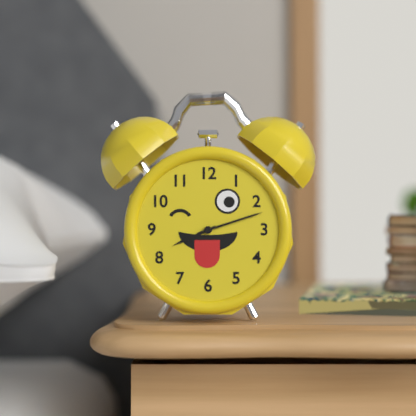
8 h 12 min
